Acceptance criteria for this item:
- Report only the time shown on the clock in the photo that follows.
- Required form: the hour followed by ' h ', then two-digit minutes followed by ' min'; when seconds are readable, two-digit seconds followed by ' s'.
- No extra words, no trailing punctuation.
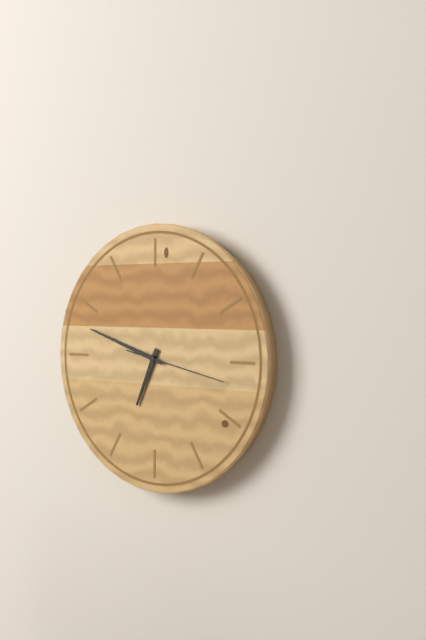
6 h 48 min 17 s
